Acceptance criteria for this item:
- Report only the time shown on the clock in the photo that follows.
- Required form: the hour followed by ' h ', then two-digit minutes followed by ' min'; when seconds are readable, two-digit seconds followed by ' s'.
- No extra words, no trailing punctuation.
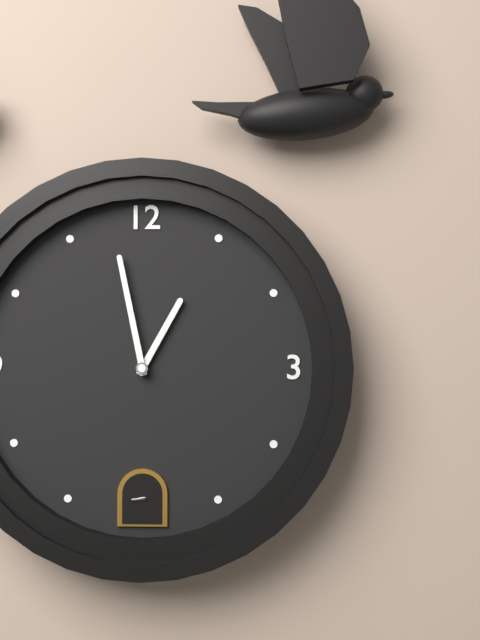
12 h 58 min
